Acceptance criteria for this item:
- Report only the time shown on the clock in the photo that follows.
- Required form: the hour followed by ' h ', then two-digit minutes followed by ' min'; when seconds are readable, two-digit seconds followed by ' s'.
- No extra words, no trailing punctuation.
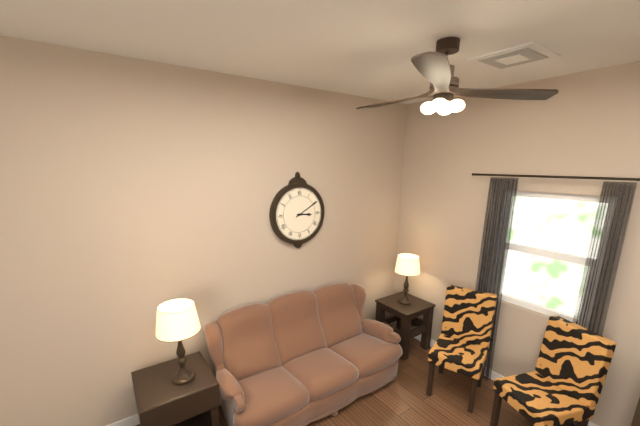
3 h 10 min
